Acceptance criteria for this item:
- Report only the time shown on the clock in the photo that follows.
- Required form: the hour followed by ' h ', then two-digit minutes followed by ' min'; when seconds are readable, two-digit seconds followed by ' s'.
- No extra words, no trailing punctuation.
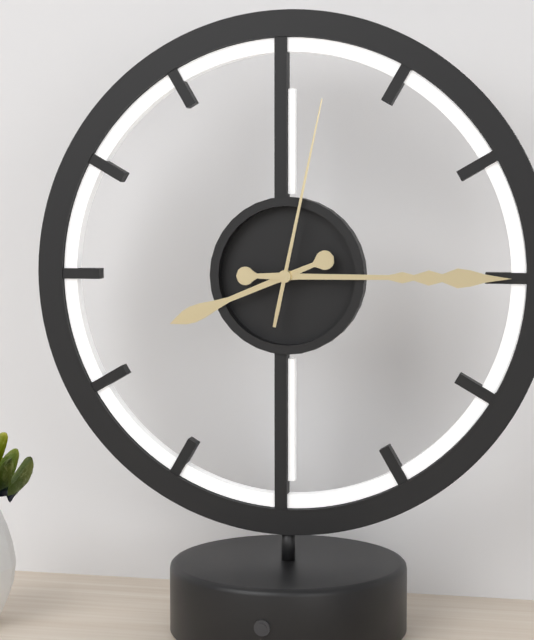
8 h 15 min 02 s
